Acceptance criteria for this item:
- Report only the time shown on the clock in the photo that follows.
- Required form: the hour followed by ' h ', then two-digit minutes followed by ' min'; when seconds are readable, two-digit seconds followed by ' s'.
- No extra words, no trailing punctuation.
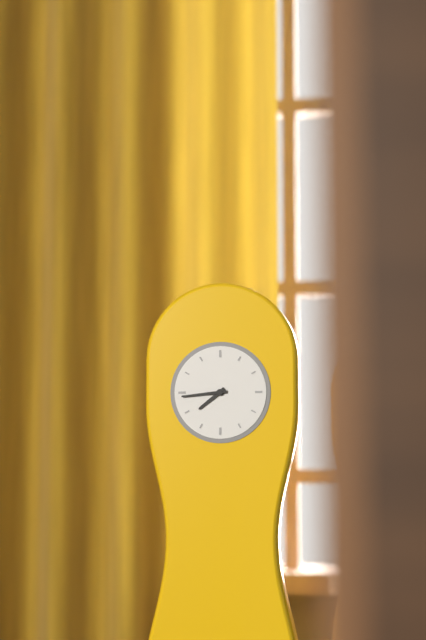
7 h 44 min
